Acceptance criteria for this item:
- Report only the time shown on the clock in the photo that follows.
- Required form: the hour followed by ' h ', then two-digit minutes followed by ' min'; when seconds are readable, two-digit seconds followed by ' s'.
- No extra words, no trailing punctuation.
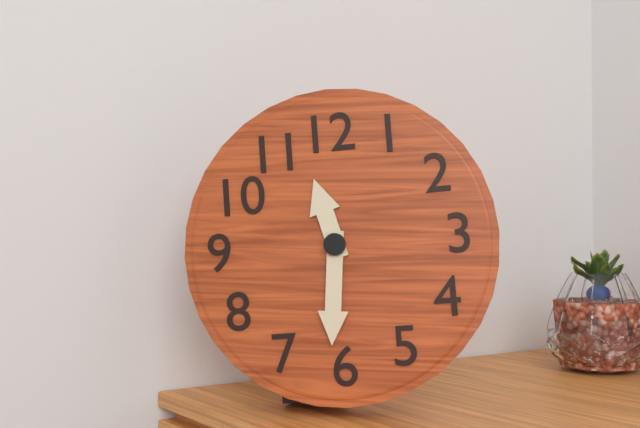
11 h 31 min
